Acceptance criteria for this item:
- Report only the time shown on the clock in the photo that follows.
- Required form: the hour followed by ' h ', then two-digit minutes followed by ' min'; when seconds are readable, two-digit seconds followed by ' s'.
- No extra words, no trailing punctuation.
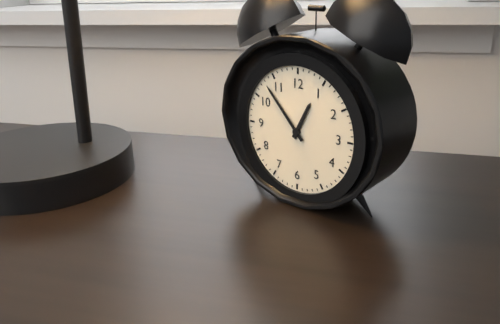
12 h 53 min
